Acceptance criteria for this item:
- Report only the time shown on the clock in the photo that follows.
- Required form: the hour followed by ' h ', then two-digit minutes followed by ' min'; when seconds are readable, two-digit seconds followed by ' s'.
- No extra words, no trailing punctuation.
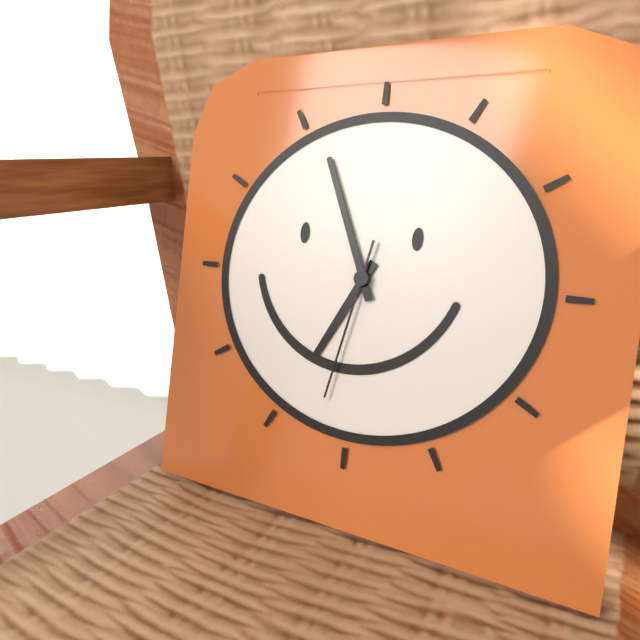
6 h 56 min 32 s
